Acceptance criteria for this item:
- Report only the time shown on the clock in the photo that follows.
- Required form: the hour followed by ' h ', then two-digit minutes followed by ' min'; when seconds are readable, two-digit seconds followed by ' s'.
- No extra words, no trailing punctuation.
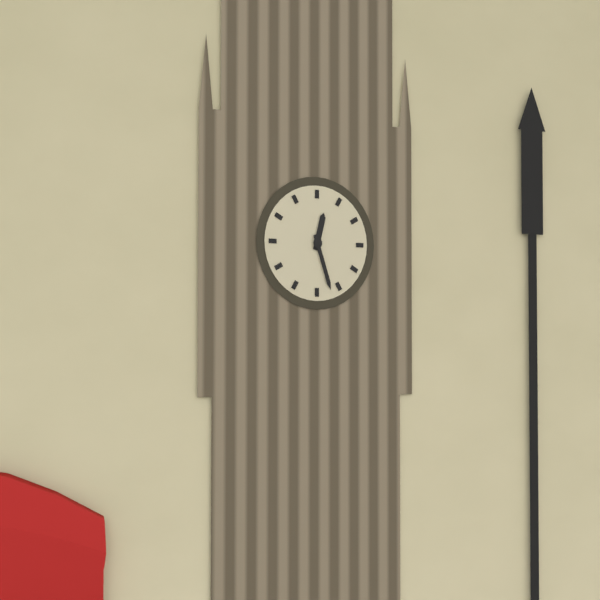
12 h 27 min
